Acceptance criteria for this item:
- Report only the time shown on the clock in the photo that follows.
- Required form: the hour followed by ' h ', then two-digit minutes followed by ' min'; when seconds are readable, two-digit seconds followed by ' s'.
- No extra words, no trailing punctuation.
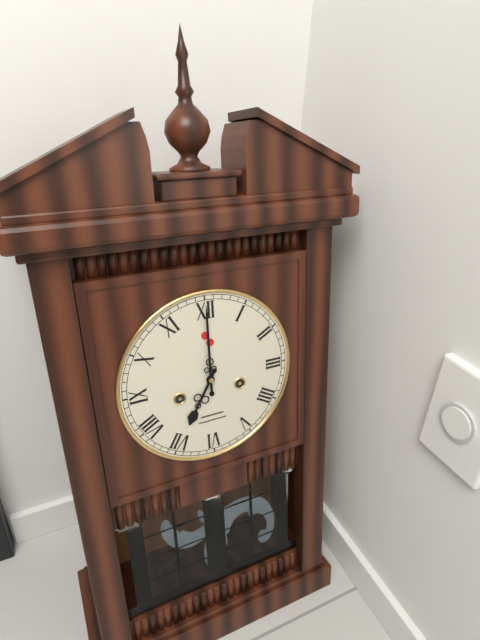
7 h 00 min
